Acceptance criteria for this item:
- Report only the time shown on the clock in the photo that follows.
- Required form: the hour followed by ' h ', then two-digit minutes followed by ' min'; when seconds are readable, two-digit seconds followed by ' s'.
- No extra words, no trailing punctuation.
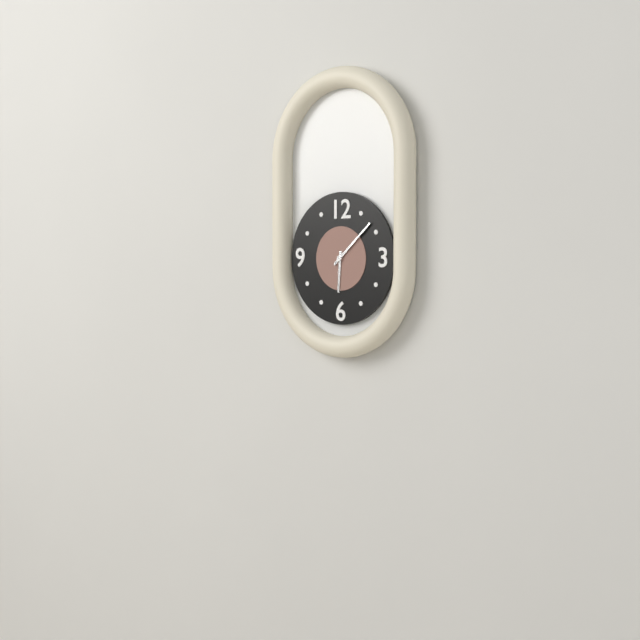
6 h 08 min
